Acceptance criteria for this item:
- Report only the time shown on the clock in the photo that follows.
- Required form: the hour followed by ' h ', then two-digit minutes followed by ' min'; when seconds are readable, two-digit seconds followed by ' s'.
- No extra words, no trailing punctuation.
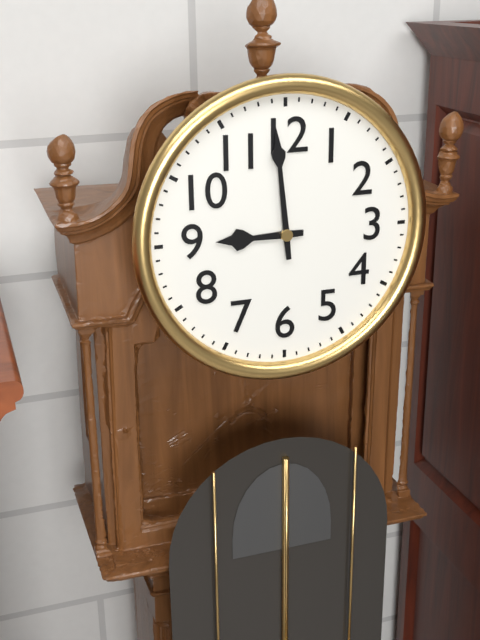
8 h 59 min
